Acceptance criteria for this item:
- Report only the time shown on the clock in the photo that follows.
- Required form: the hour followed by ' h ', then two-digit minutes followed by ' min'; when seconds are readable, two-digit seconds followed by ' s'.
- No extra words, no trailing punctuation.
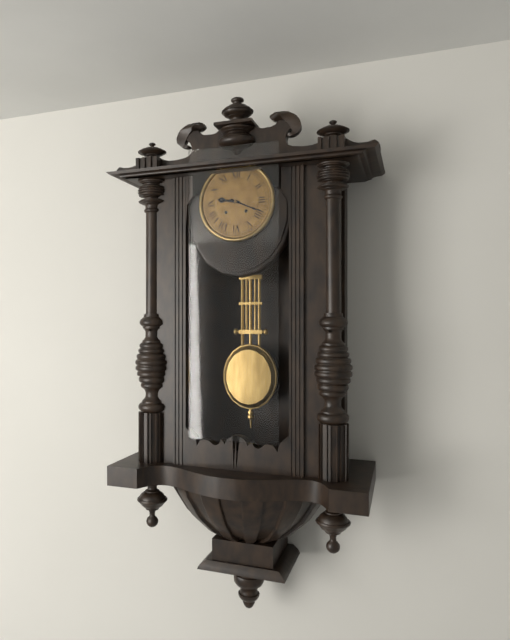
9 h 19 min
